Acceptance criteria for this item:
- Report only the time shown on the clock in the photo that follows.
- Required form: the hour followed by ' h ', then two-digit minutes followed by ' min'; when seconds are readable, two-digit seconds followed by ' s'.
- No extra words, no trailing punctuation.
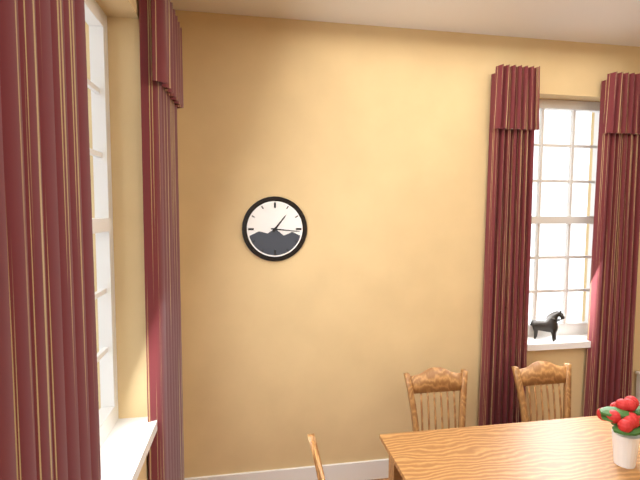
1 h 16 min
